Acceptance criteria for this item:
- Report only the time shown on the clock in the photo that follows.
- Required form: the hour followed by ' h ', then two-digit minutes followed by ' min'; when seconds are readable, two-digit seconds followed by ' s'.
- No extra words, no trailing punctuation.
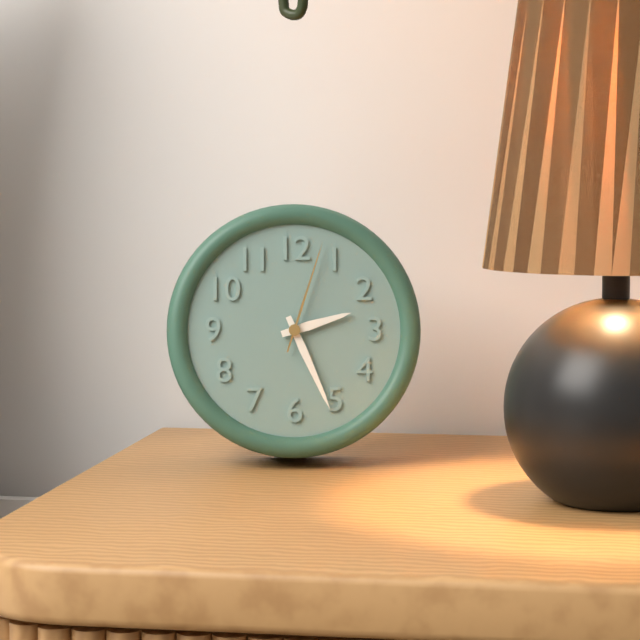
2 h 26 min 03 s
